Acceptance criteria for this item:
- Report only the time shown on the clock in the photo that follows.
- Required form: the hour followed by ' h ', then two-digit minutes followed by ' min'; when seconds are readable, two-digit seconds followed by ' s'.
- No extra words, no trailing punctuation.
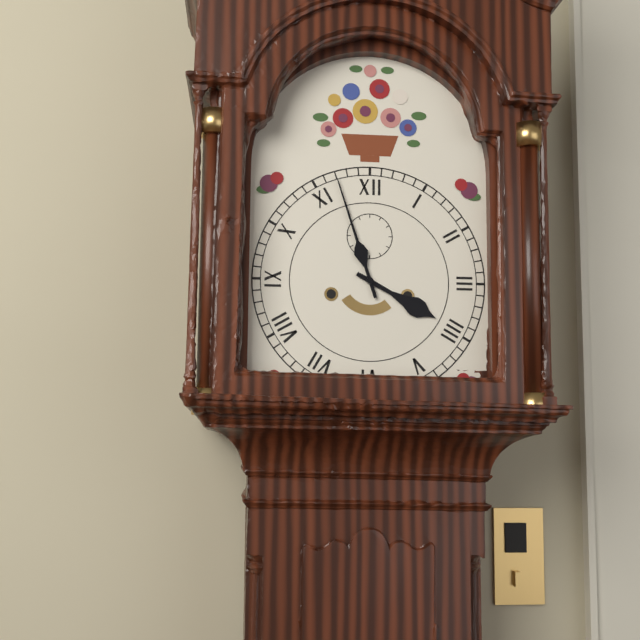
3 h 57 min
